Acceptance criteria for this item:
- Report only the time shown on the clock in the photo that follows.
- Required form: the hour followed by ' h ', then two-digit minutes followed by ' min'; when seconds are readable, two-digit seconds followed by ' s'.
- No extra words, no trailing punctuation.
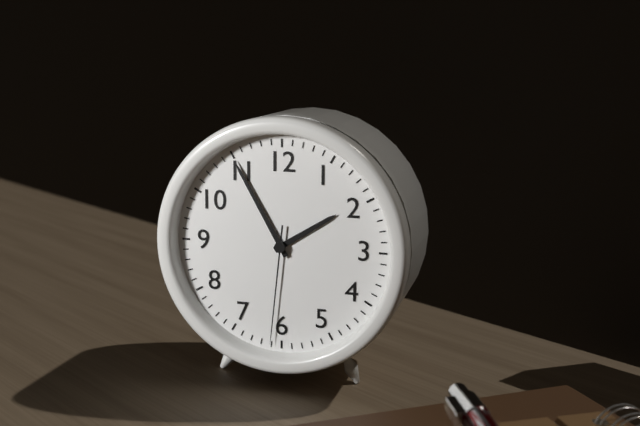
1 h 55 min 31 s
